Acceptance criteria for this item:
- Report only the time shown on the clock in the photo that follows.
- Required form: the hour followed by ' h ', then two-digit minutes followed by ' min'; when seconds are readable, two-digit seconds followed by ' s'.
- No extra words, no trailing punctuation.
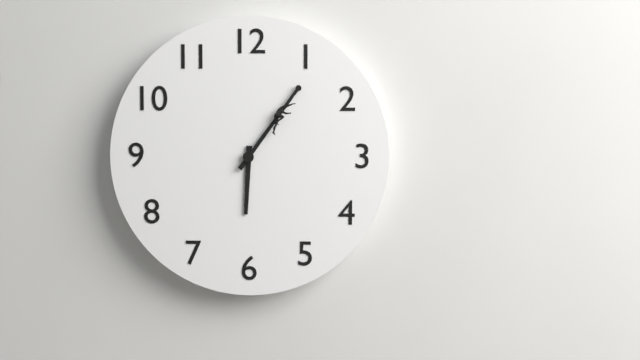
6 h 06 min
